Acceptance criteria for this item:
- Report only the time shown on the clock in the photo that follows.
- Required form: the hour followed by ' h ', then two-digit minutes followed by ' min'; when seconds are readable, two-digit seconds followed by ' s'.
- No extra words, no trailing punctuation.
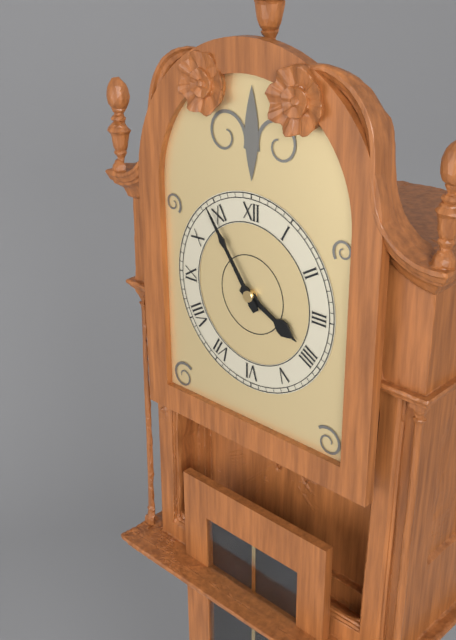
3 h 54 min
